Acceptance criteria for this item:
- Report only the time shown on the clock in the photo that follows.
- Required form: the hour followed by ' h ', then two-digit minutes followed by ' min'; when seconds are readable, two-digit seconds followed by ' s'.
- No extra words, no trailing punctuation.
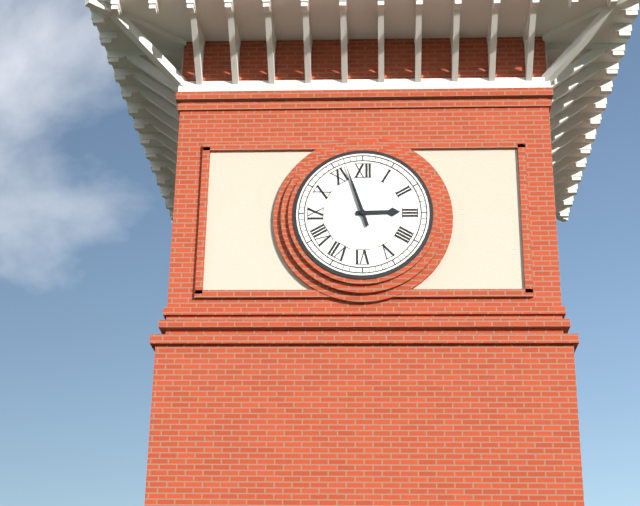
2 h 57 min
